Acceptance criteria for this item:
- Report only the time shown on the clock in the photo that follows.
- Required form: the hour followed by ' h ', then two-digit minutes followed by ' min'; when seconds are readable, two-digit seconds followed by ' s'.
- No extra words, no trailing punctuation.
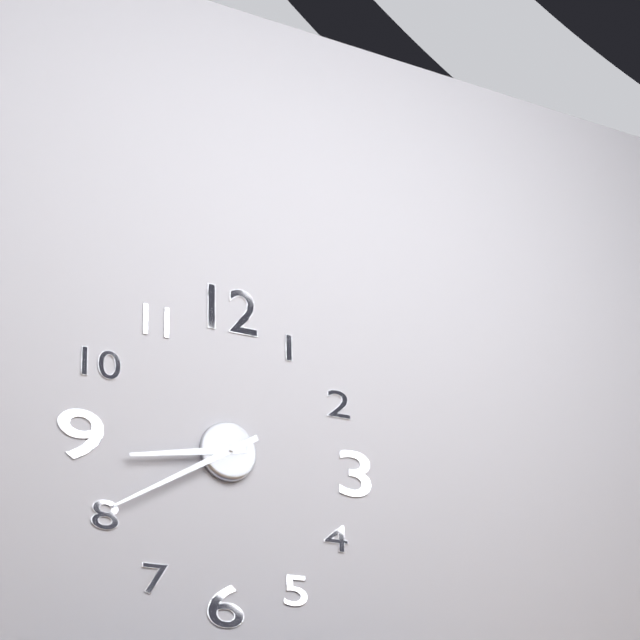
8 h 40 min
